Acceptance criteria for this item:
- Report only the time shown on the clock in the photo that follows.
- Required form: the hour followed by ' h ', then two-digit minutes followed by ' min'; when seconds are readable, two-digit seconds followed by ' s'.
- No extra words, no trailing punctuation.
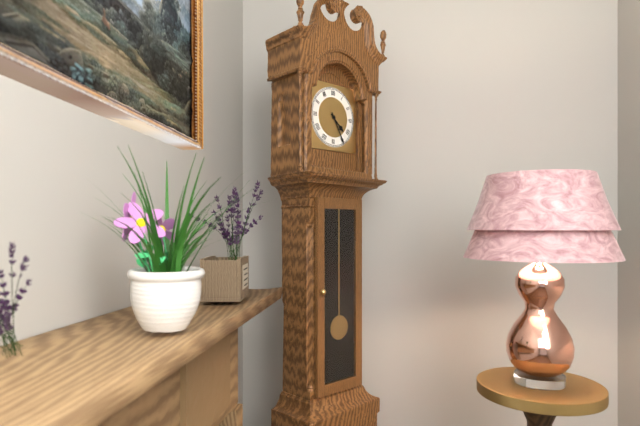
4 h 25 min
